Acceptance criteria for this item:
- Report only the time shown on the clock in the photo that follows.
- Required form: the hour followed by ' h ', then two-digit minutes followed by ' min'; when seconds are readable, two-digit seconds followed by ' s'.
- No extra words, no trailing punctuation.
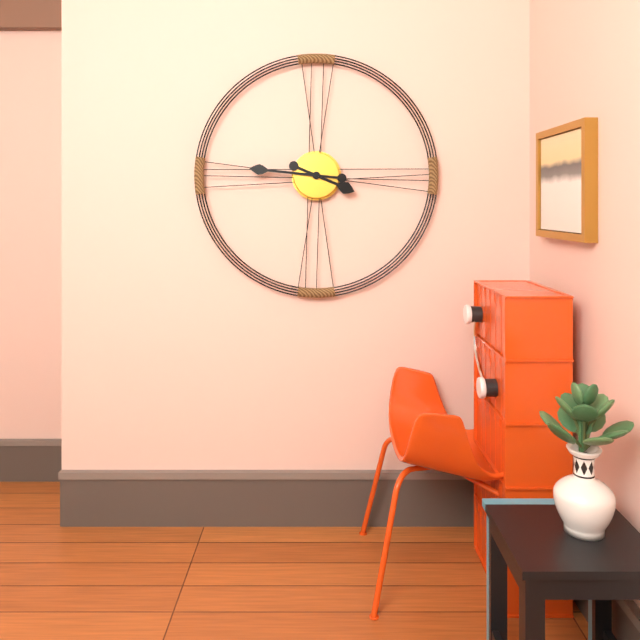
3 h 46 min
